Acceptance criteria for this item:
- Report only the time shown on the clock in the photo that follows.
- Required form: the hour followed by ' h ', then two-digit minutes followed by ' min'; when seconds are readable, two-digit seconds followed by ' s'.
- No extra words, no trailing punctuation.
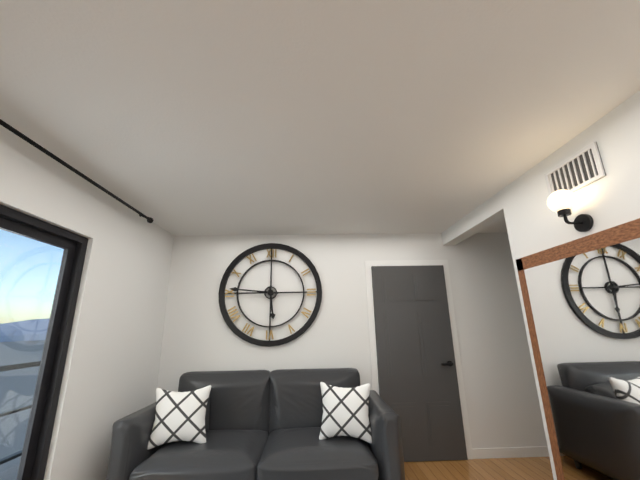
5 h 46 min
